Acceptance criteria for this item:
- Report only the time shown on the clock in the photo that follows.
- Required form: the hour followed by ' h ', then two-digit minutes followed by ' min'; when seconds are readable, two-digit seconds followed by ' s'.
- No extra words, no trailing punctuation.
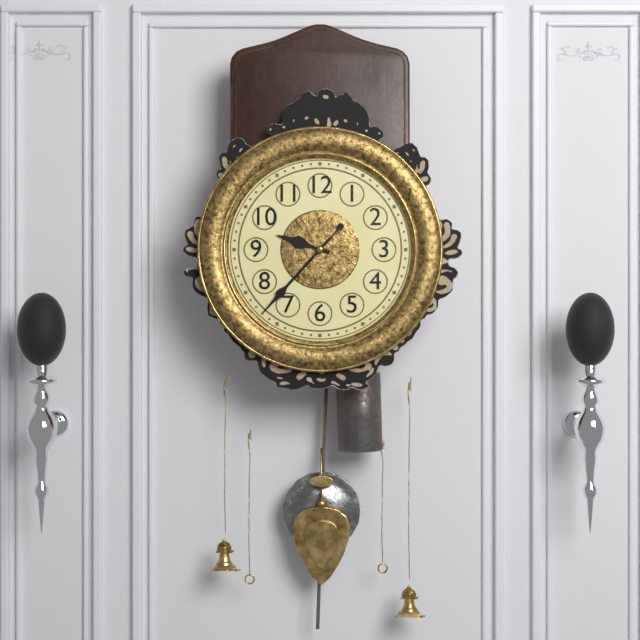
9 h 37 min 37 s
